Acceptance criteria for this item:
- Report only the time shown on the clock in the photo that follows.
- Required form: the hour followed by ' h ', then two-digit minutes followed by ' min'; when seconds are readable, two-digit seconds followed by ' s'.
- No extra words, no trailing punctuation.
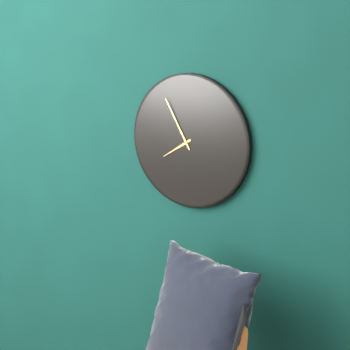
7 h 55 min
